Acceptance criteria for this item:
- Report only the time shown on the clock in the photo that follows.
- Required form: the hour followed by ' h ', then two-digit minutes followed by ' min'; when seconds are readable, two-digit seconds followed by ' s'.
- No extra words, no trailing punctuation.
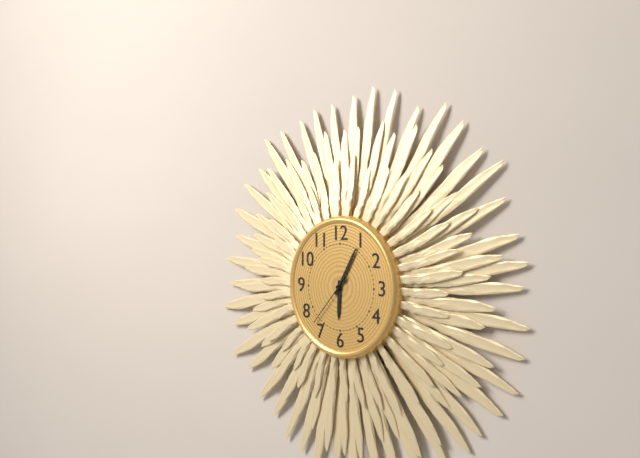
6 h 05 min 37 s
